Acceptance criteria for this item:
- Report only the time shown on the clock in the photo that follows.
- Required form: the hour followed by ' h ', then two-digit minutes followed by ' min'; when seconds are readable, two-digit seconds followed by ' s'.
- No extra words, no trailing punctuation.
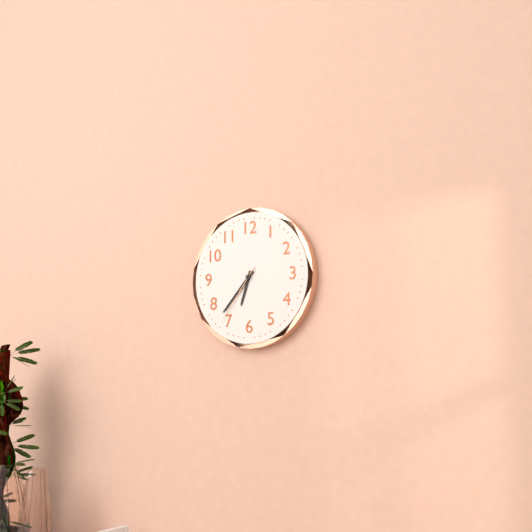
6 h 37 min 36 s
